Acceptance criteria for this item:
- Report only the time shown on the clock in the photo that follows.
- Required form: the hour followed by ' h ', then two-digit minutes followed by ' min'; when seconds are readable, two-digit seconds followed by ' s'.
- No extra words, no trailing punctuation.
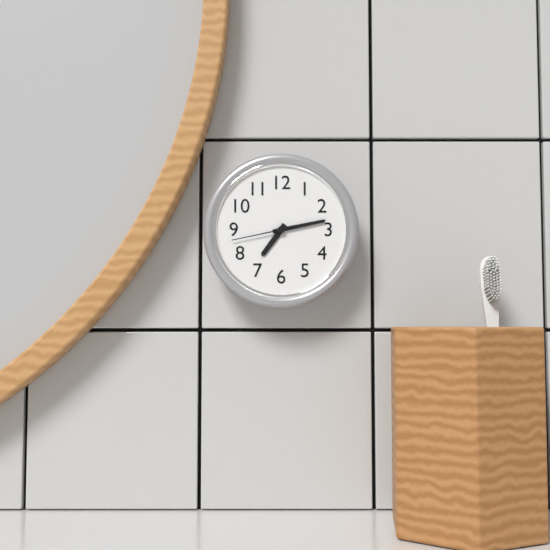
7 h 13 min 43 s
